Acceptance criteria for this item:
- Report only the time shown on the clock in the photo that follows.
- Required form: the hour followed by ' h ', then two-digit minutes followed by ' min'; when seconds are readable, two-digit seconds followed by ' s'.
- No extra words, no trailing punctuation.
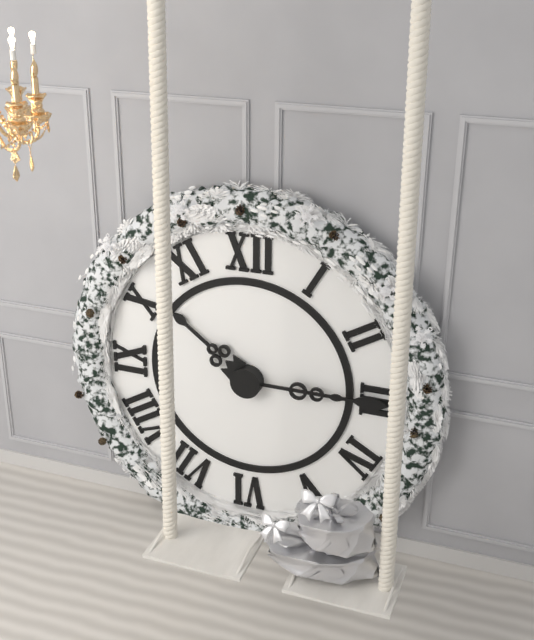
10 h 15 min
